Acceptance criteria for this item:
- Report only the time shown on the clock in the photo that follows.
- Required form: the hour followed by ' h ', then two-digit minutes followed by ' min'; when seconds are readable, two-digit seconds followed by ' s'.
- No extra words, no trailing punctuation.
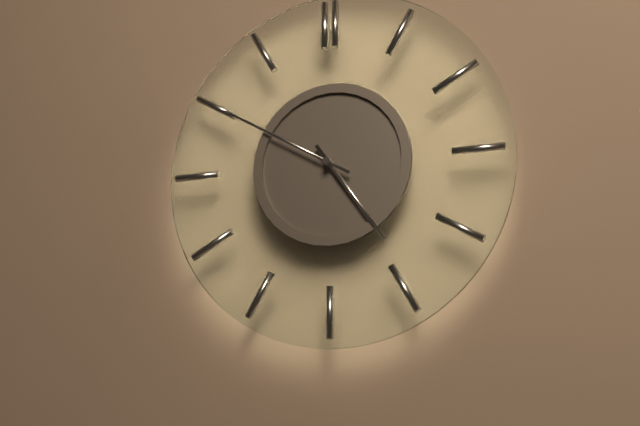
4 h 50 min
